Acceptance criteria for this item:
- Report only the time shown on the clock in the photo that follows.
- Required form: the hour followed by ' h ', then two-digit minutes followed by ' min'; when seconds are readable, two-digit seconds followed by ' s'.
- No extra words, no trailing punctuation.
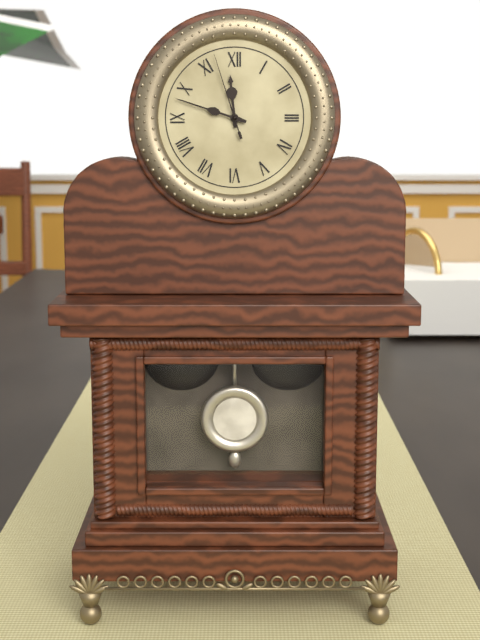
11 h 48 min 57 s
